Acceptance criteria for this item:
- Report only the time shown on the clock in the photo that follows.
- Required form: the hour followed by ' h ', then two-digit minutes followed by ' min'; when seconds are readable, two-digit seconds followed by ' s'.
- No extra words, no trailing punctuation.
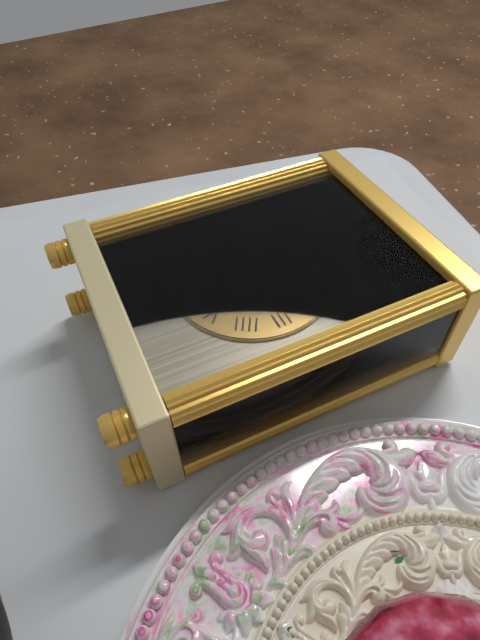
5 h 47 min
